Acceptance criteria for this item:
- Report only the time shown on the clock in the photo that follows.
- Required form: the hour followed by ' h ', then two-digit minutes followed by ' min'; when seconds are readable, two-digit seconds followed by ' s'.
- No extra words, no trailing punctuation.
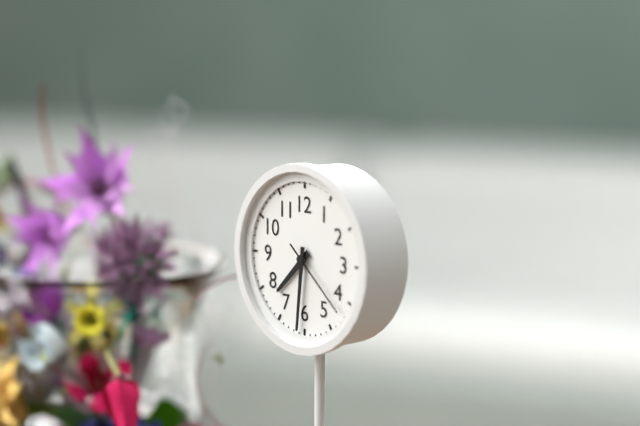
7 h 31 min 22 s
